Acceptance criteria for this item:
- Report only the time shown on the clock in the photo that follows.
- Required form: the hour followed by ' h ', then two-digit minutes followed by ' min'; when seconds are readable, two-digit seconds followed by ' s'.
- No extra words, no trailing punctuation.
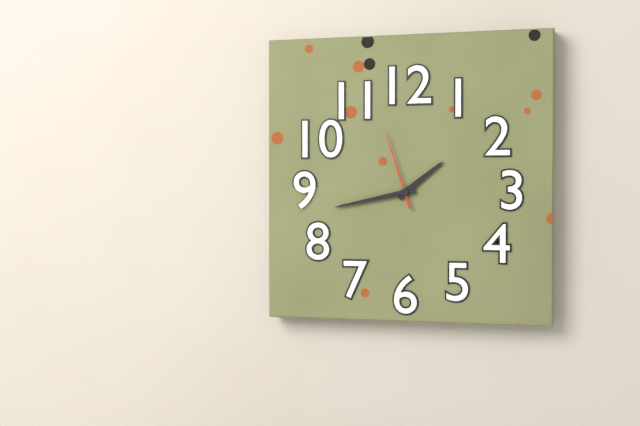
1 h 43 min 57 s
